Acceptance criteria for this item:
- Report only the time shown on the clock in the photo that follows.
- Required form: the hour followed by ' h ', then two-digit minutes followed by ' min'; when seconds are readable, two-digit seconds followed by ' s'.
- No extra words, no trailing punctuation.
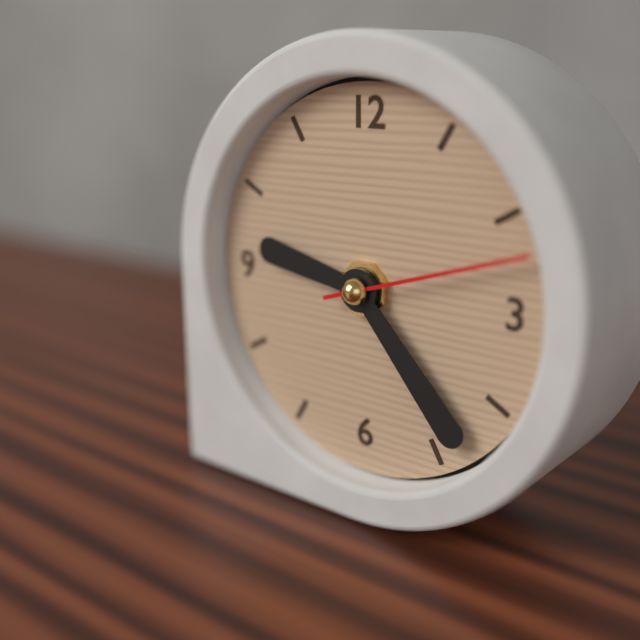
9 h 23 min 12 s
